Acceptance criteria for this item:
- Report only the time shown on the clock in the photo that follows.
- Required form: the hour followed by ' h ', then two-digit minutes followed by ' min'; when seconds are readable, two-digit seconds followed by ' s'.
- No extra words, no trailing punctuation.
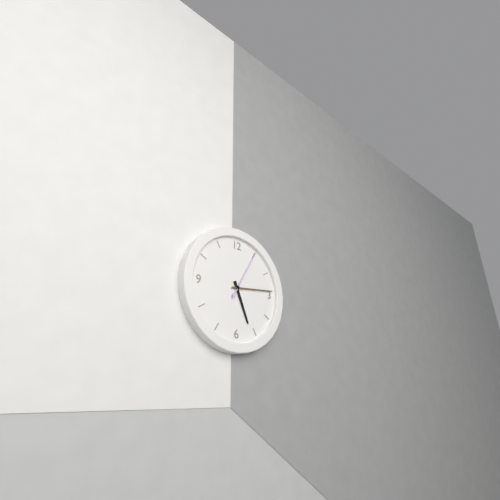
5 h 14 min 05 s
